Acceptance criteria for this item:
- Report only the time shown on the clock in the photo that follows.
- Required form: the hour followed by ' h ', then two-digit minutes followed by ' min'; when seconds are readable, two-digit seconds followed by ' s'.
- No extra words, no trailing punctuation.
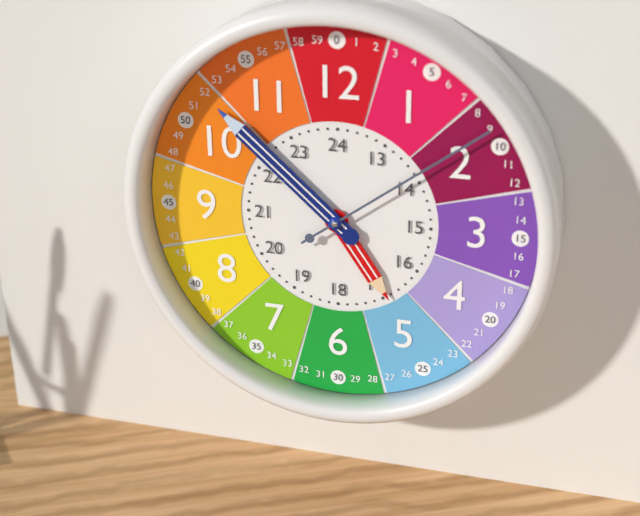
4 h 52 min 09 s
